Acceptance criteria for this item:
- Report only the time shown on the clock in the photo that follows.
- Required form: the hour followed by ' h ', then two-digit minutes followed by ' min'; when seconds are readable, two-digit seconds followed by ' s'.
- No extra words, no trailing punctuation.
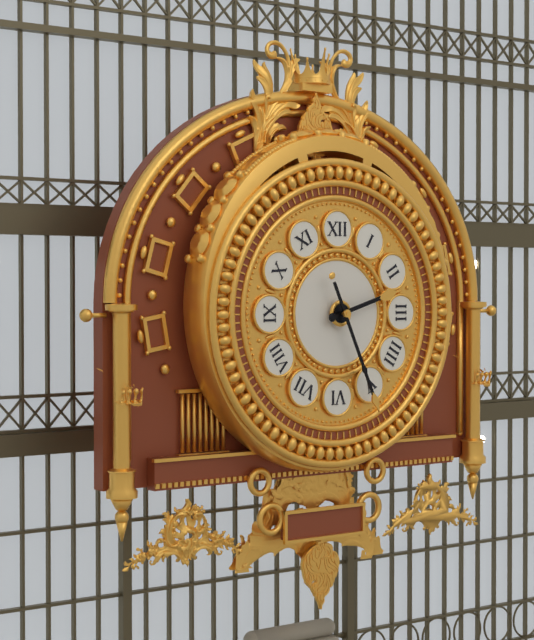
2 h 26 min
